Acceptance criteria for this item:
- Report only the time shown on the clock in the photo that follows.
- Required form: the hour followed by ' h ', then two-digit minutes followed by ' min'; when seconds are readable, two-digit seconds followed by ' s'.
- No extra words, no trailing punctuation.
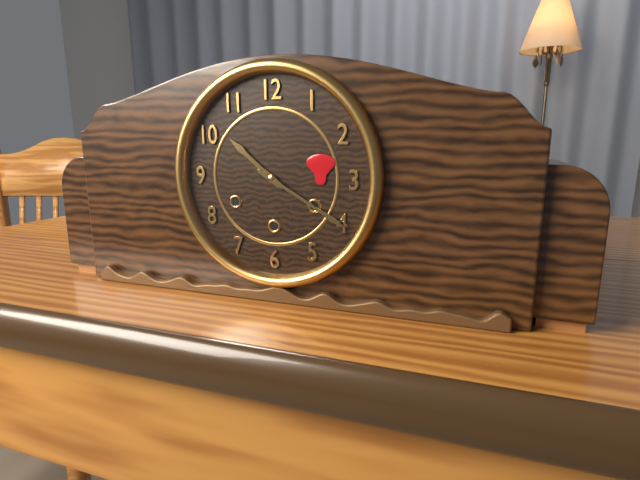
10 h 20 min
